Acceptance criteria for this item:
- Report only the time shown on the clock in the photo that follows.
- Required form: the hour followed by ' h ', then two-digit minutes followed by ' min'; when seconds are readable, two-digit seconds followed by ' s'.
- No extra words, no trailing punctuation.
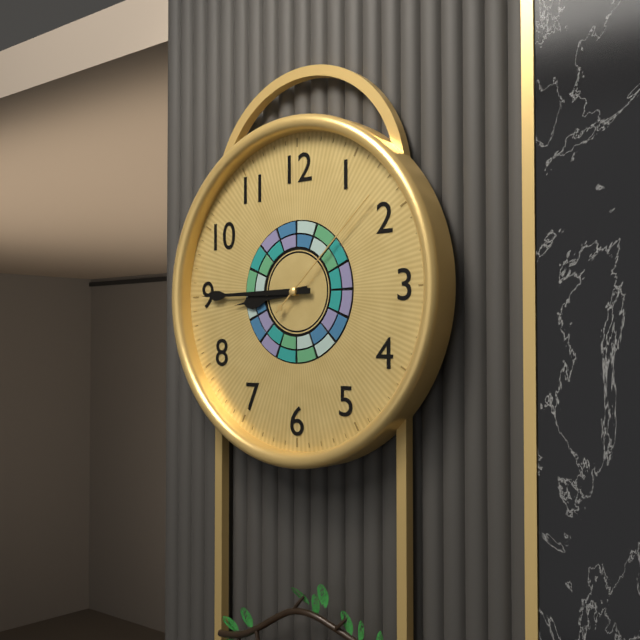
8 h 45 min 08 s
